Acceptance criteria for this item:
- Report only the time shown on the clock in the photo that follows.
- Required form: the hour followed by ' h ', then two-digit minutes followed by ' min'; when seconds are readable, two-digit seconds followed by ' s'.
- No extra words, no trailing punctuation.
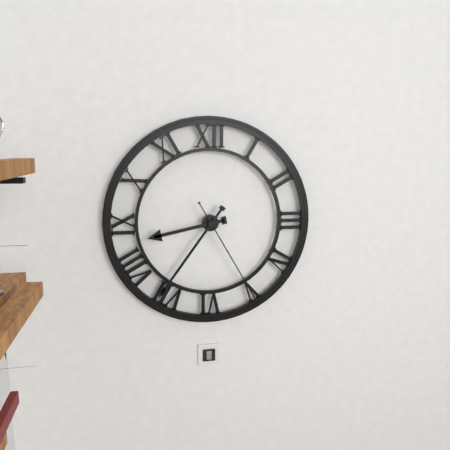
8 h 36 min 25 s
